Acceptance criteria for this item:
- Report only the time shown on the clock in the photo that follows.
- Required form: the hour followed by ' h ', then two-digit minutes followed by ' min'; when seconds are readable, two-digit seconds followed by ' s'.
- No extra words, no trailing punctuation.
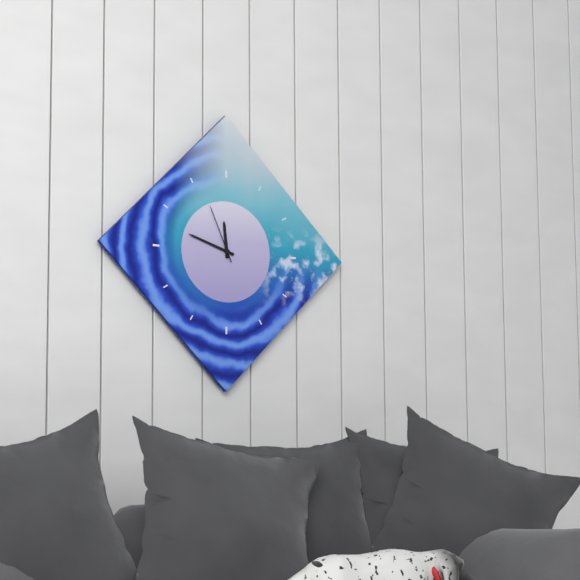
11 h 48 min 56 s
